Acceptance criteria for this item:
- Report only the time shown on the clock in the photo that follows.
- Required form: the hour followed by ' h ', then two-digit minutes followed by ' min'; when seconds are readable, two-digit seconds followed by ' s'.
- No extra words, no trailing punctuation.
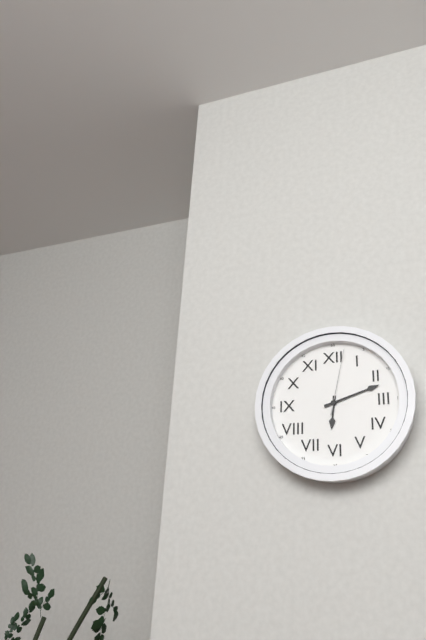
6 h 12 min 02 s
